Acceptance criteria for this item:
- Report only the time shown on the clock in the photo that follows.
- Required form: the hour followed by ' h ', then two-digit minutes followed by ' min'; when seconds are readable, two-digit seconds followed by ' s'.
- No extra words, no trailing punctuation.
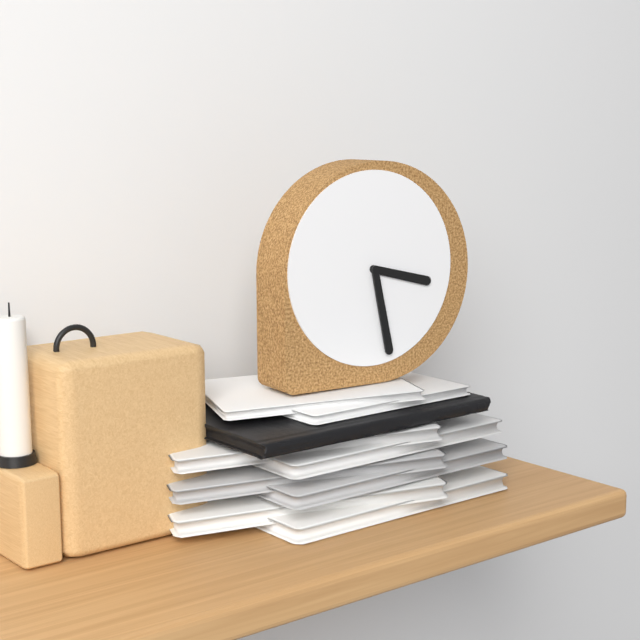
3 h 28 min
